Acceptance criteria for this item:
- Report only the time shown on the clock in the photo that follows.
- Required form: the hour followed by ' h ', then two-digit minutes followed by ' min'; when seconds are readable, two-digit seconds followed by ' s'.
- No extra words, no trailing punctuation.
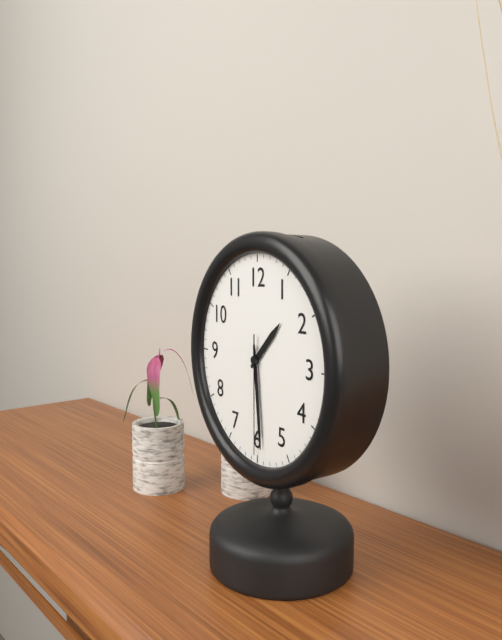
1 h 29 min 30 s
